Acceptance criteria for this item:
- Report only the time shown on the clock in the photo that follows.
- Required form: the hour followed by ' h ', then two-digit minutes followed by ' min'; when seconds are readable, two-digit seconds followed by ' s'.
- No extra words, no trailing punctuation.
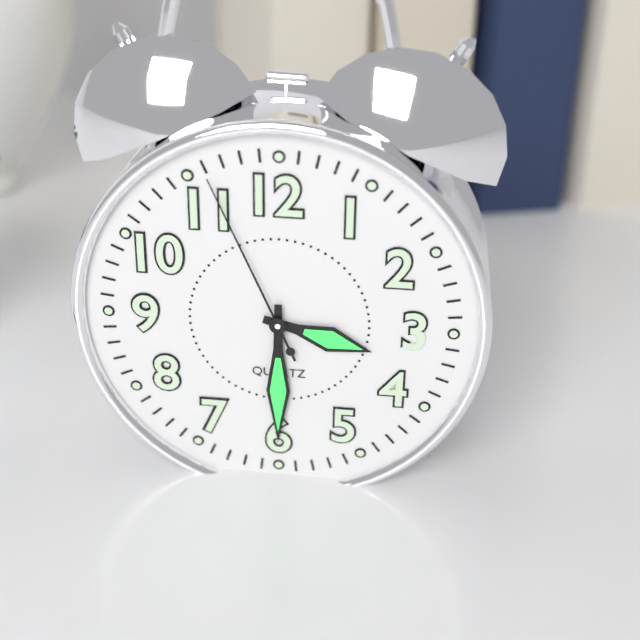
3 h 30 min 56 s
